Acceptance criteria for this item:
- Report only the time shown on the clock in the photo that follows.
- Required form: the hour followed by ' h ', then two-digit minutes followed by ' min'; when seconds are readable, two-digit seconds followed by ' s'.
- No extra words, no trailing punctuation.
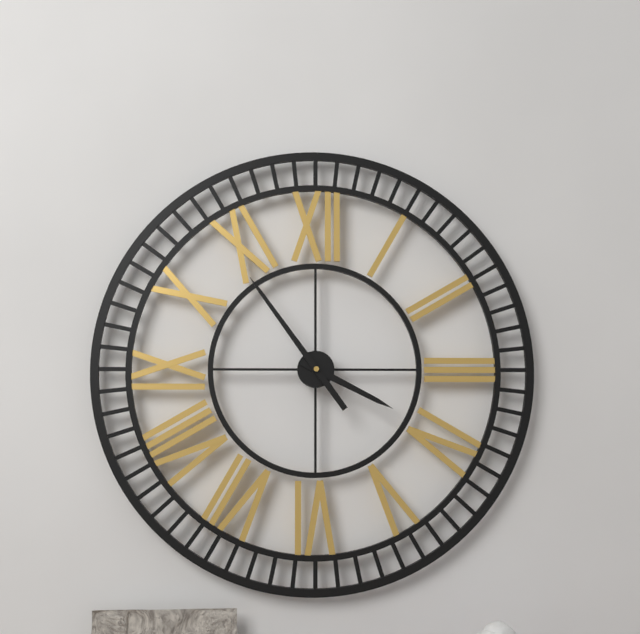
3 h 54 min
